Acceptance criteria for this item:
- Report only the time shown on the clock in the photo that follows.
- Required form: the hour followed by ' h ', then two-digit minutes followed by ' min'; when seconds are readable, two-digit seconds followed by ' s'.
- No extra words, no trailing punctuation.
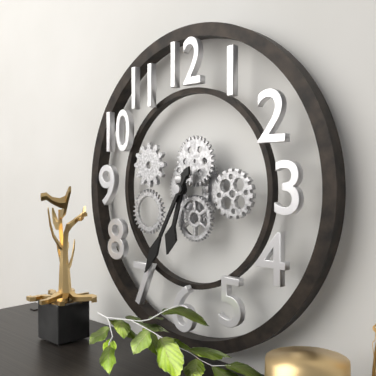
6 h 35 min
